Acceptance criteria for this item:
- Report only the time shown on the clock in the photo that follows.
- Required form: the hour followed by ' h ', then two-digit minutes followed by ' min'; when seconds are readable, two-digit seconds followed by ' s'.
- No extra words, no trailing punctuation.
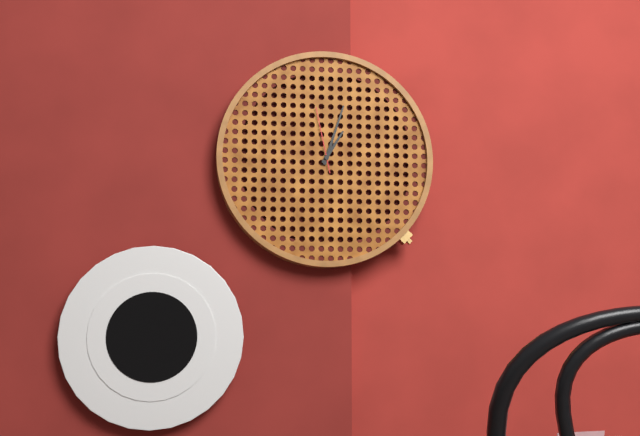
1 h 03 min 58 s
